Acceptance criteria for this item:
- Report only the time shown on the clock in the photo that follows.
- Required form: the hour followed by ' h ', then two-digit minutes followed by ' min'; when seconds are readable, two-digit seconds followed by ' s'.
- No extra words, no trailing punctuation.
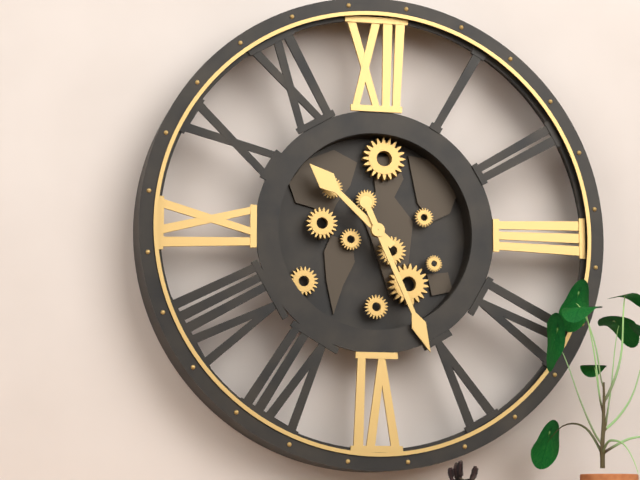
10 h 26 min
